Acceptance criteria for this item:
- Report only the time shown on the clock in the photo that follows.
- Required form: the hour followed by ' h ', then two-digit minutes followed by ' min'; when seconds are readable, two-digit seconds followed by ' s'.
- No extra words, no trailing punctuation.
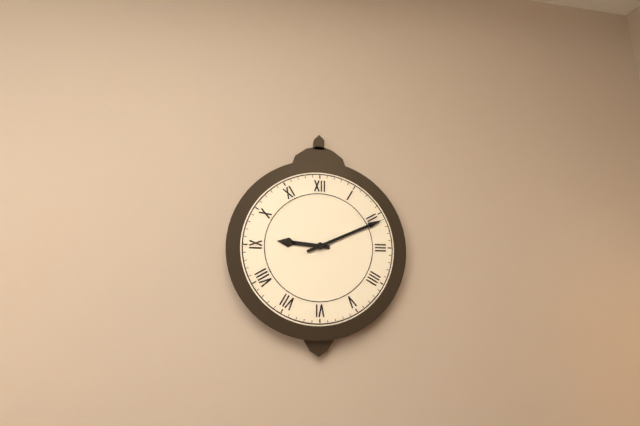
9 h 11 min
